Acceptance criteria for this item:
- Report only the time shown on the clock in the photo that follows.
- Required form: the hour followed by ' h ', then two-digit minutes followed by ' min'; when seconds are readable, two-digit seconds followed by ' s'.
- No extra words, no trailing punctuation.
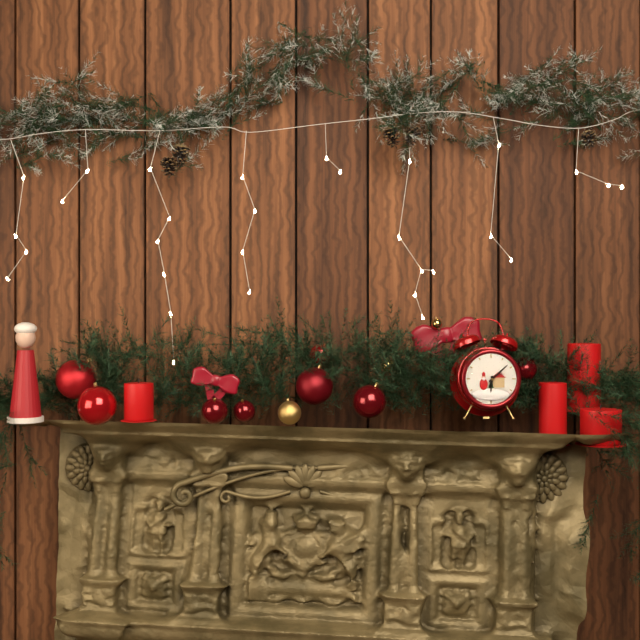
6 h 08 min
